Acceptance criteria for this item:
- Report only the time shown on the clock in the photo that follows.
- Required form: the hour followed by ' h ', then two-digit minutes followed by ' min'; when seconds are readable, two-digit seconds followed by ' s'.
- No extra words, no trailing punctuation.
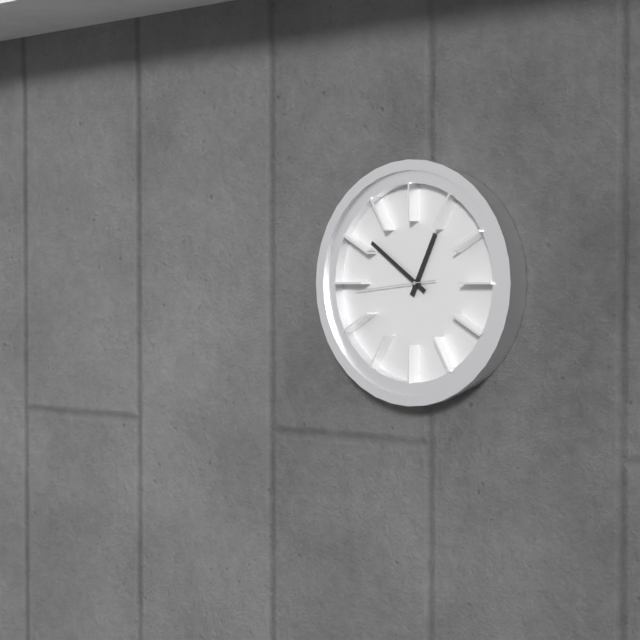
12 h 51 min 44 s
